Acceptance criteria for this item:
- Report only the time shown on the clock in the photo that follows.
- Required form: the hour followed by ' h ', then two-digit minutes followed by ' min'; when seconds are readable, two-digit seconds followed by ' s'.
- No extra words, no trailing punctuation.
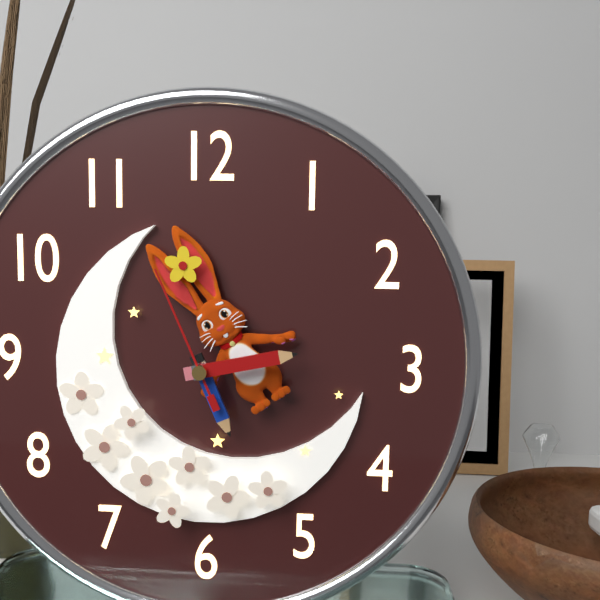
5 h 13 min 56 s
